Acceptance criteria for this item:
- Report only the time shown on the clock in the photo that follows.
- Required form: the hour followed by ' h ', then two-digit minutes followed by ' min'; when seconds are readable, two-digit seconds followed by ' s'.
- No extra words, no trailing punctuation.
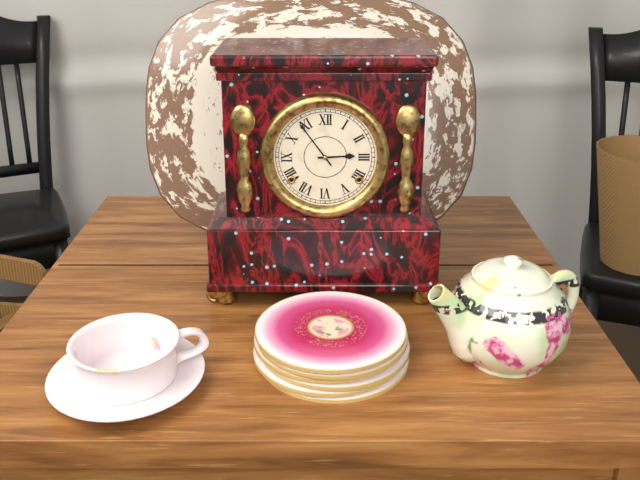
2 h 54 min
